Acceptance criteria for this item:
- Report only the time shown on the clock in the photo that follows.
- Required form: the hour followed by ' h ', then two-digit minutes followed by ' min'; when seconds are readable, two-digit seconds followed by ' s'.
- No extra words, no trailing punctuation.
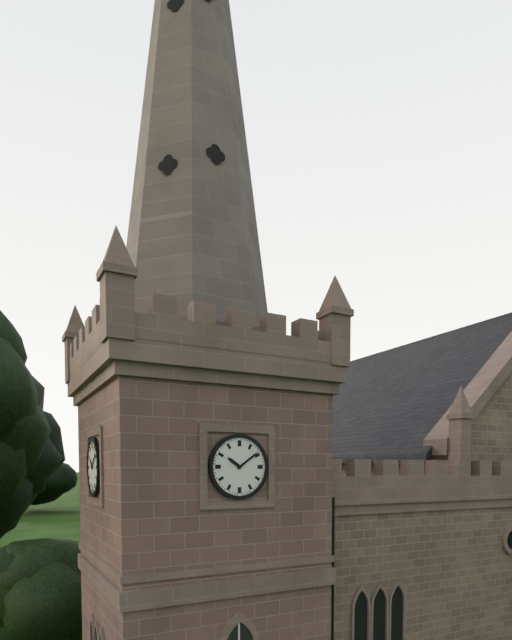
10 h 09 min
